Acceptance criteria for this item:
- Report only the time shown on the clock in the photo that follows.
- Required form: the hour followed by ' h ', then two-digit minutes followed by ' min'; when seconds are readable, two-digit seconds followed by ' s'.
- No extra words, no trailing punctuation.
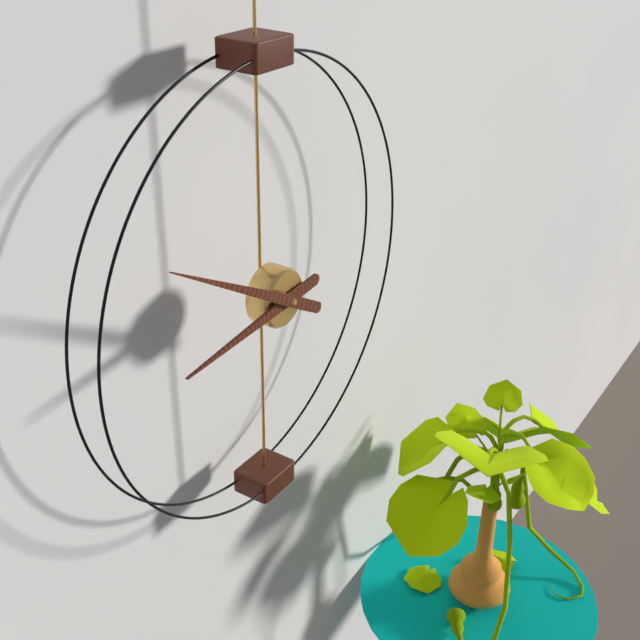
8 h 50 min
